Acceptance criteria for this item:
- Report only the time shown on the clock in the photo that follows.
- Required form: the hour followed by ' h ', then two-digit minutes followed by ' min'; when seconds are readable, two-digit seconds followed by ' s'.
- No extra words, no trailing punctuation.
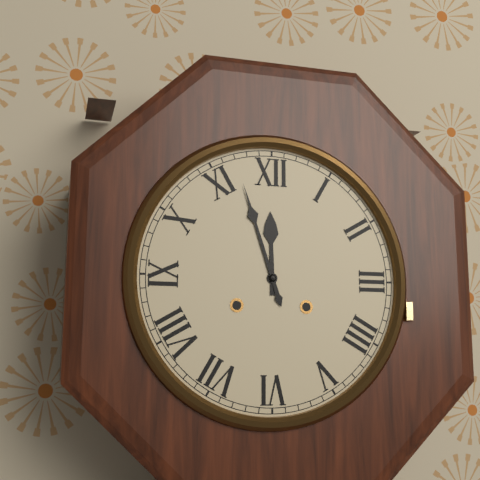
11 h 57 min
